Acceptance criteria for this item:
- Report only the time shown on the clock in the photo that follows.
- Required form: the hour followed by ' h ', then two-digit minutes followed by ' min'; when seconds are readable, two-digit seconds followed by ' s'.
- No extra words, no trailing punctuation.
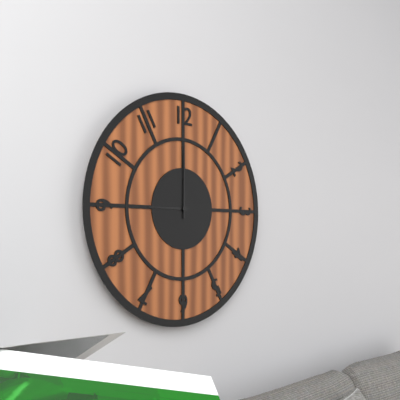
9 h 00 min
